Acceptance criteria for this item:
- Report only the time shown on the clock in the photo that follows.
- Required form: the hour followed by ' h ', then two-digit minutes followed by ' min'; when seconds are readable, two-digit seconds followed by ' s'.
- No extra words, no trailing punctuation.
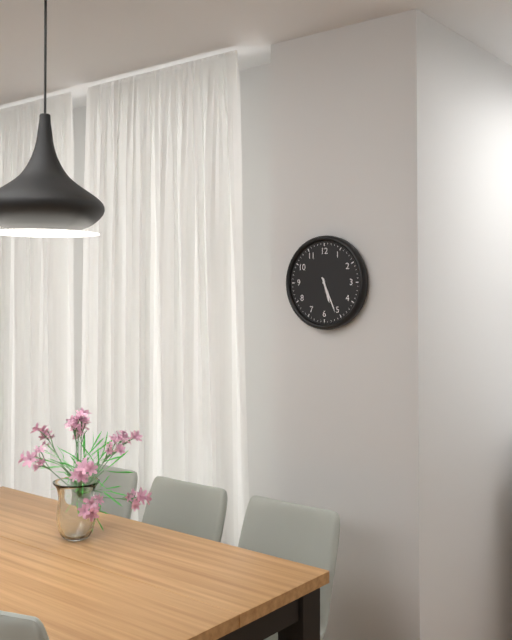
5 h 26 min
